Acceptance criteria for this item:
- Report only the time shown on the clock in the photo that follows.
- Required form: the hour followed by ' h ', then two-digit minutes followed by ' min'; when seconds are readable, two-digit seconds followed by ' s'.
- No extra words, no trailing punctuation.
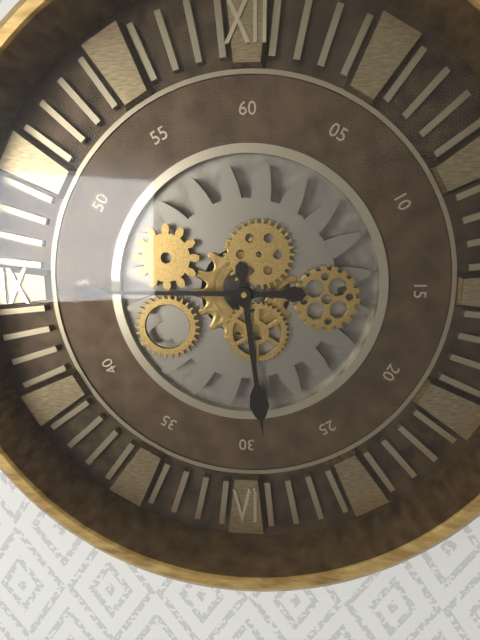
5 h 45 min
